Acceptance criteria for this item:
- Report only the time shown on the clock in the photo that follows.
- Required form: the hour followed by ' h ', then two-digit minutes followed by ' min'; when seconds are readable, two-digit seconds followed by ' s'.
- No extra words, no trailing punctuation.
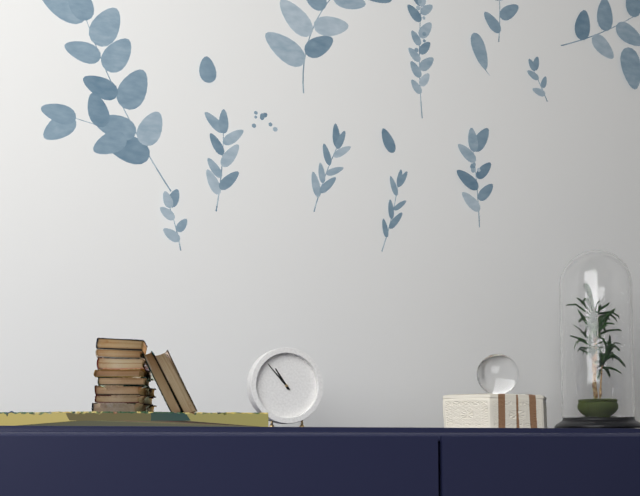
10 h 53 min
